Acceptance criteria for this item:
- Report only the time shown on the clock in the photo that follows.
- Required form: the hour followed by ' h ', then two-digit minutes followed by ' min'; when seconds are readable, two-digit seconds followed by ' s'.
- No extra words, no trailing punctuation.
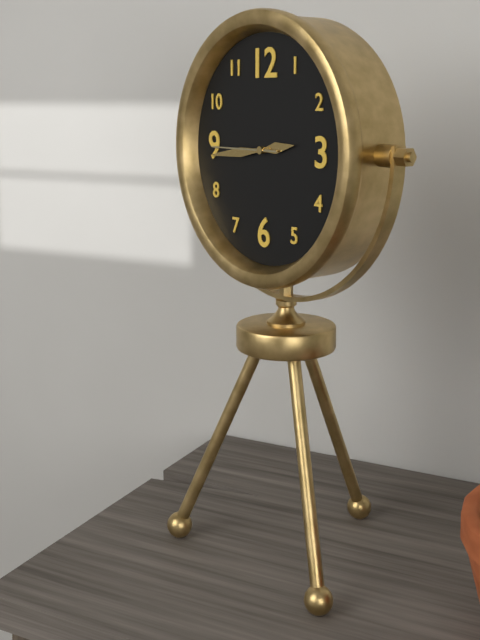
2 h 44 min 45 s
